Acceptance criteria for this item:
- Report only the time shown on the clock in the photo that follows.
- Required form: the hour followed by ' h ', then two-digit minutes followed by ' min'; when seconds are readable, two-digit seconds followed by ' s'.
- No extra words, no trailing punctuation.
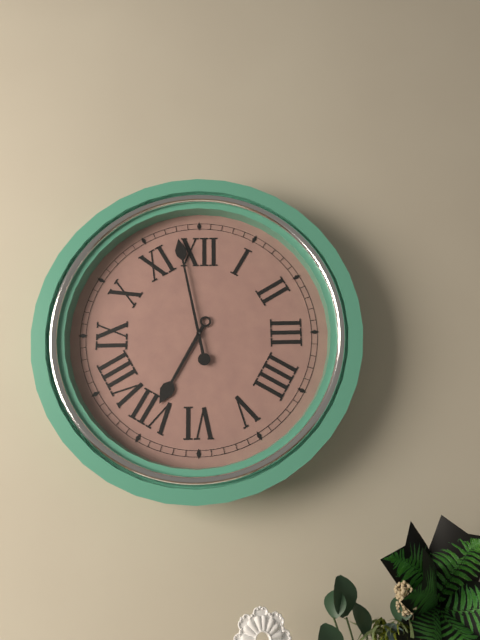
6 h 58 min
